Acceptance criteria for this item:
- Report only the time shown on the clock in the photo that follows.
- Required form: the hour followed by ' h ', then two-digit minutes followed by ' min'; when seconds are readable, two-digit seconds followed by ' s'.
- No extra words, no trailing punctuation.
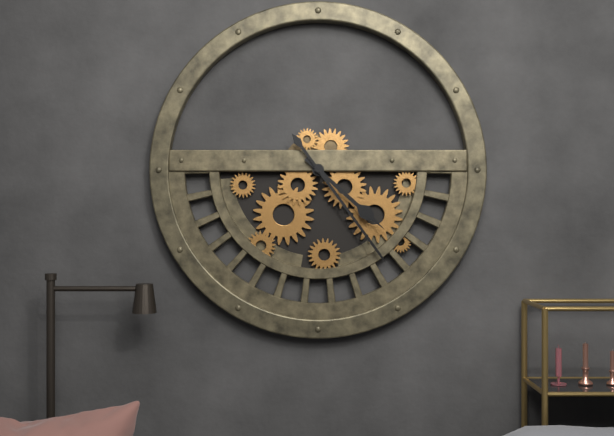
4 h 24 min
